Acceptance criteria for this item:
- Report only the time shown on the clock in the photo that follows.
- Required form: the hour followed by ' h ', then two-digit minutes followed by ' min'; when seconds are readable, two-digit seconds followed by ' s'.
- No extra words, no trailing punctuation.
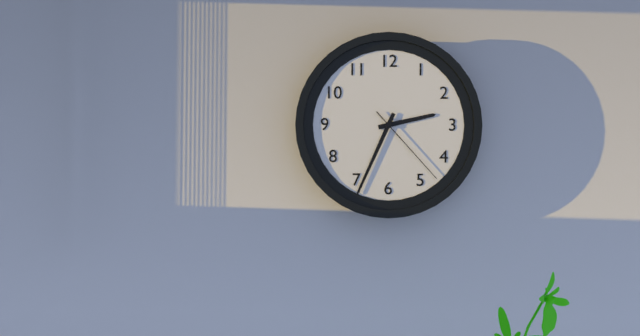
2 h 34 min 23 s
